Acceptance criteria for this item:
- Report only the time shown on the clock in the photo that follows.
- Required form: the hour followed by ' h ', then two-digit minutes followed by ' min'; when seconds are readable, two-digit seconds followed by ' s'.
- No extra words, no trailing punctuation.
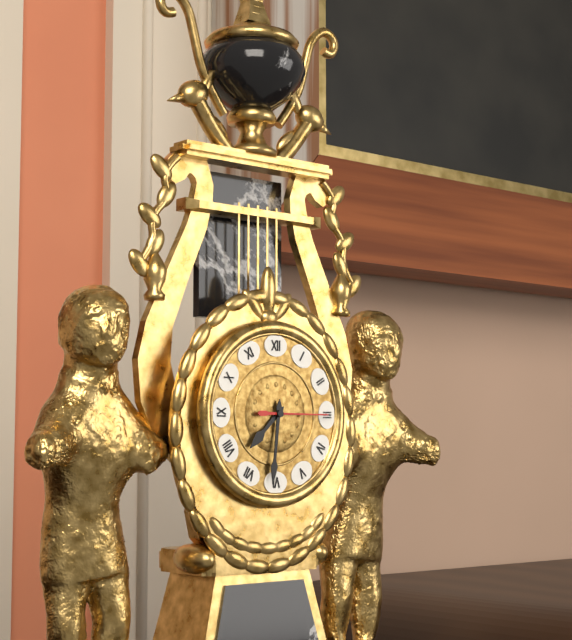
7 h 31 min 15 s
